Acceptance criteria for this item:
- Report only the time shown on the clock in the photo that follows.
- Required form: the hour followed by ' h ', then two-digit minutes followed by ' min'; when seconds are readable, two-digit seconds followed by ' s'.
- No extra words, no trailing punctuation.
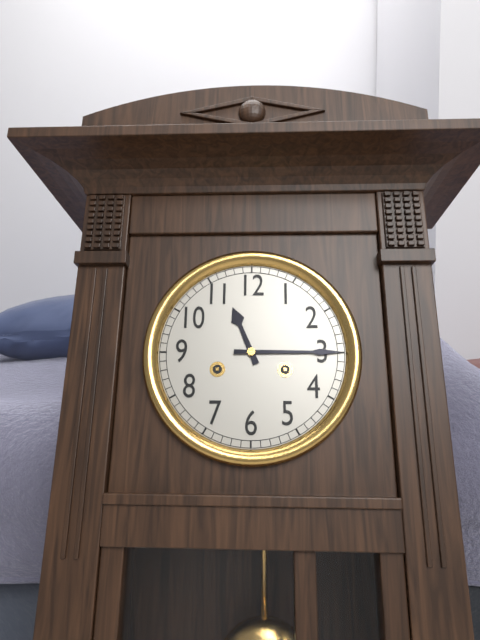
11 h 15 min
